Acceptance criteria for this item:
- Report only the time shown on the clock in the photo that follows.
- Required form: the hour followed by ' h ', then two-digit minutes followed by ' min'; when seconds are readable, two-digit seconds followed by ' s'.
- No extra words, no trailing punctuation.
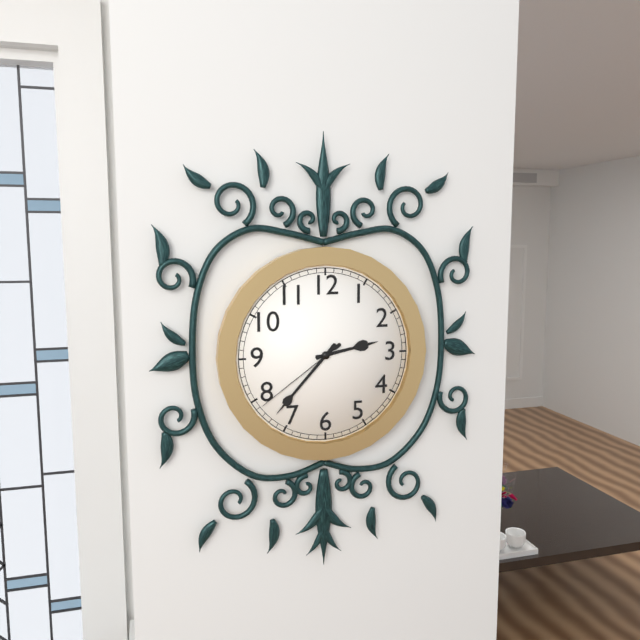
2 h 37 min 39 s
